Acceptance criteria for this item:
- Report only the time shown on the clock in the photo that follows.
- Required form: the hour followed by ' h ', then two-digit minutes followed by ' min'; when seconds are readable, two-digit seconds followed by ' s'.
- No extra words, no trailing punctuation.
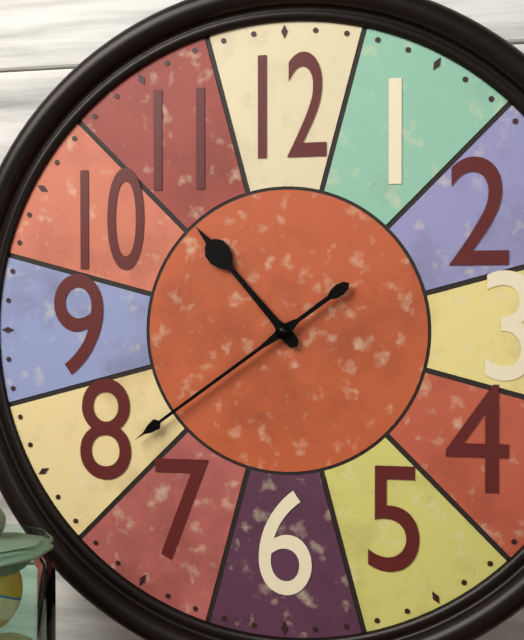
10 h 39 min
